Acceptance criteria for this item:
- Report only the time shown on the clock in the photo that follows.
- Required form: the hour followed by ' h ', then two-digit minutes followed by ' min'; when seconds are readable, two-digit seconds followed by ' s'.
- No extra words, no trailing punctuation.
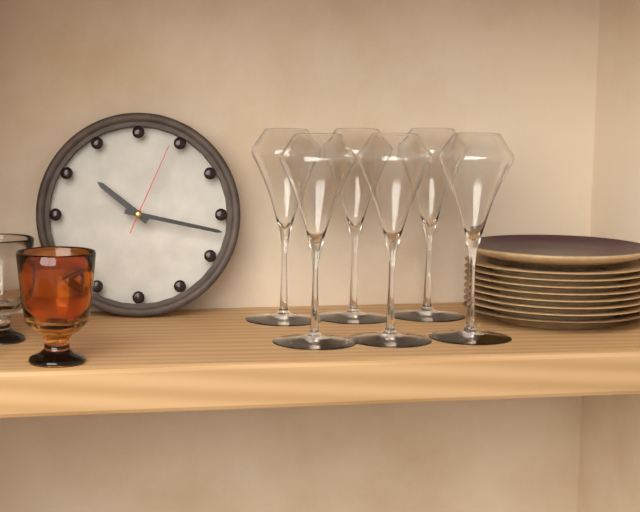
10 h 17 min 04 s
